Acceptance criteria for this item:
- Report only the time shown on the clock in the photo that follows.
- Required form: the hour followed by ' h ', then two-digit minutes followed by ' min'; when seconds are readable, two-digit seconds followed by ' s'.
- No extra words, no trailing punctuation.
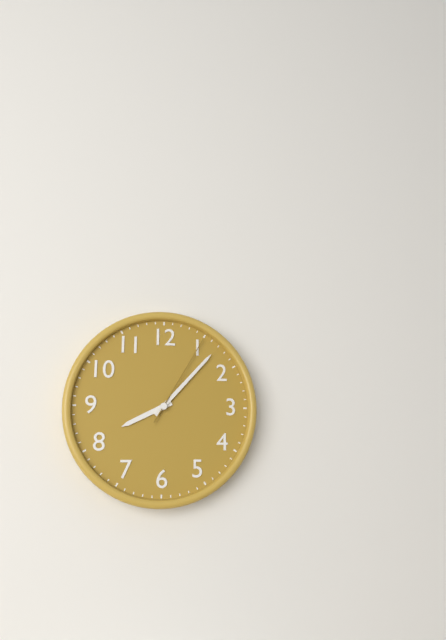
8 h 07 min 05 s
